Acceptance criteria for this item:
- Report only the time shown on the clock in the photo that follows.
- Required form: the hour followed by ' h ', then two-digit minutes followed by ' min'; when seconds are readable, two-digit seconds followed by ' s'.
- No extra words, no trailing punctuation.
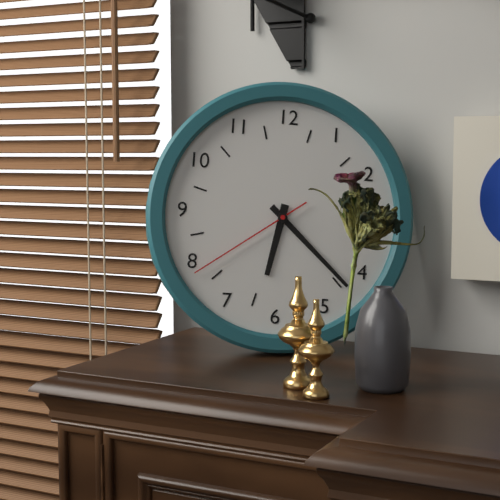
6 h 22 min 39 s
